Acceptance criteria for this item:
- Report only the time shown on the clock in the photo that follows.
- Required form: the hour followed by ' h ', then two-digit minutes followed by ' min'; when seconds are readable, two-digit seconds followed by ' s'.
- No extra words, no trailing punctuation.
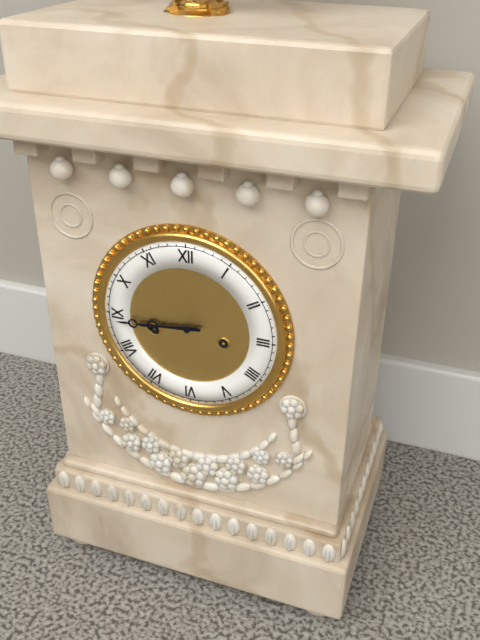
8 h 44 min
